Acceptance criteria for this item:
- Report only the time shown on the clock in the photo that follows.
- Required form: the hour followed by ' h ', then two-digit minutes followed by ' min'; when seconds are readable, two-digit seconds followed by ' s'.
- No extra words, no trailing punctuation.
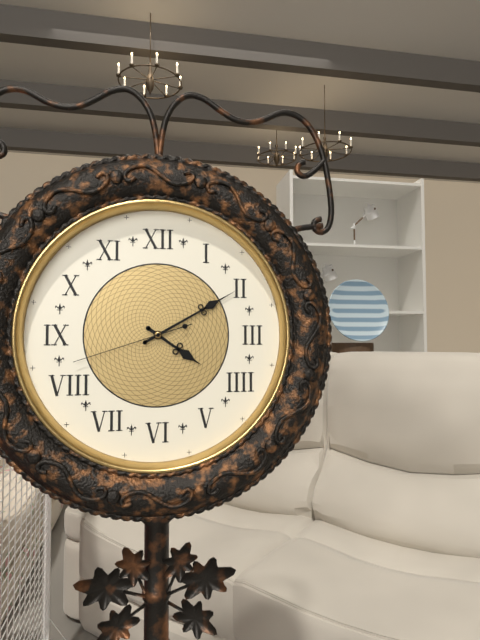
4 h 10 min 42 s
